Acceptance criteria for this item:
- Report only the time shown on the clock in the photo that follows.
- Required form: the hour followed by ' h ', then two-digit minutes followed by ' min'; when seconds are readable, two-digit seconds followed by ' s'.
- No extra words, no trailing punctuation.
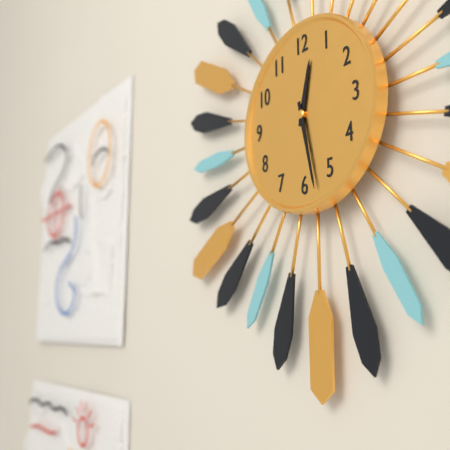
12 h 28 min
